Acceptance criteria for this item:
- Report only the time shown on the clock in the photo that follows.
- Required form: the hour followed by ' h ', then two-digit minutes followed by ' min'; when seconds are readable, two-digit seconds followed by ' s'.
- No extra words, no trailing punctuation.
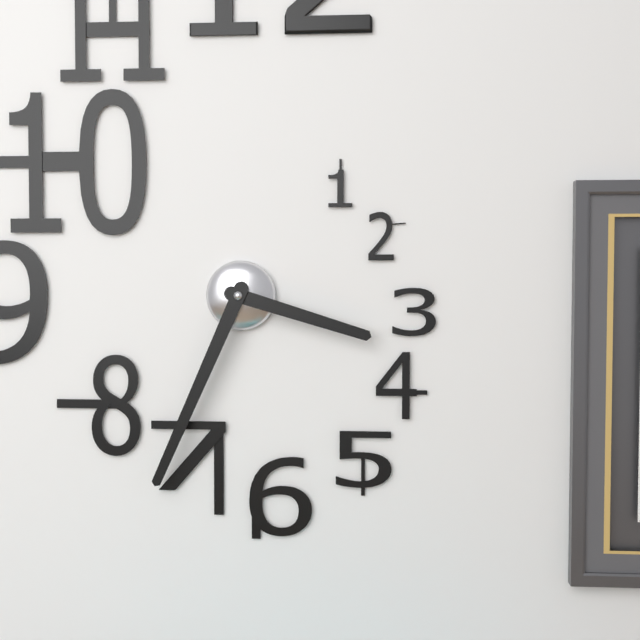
3 h 34 min
